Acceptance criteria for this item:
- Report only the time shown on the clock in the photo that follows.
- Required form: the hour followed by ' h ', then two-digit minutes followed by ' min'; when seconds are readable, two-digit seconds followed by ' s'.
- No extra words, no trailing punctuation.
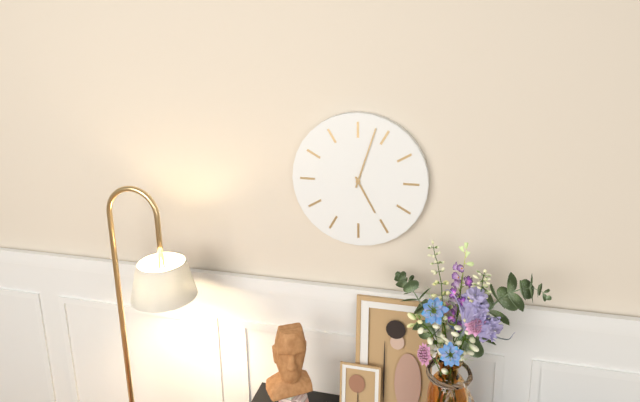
5 h 03 min
